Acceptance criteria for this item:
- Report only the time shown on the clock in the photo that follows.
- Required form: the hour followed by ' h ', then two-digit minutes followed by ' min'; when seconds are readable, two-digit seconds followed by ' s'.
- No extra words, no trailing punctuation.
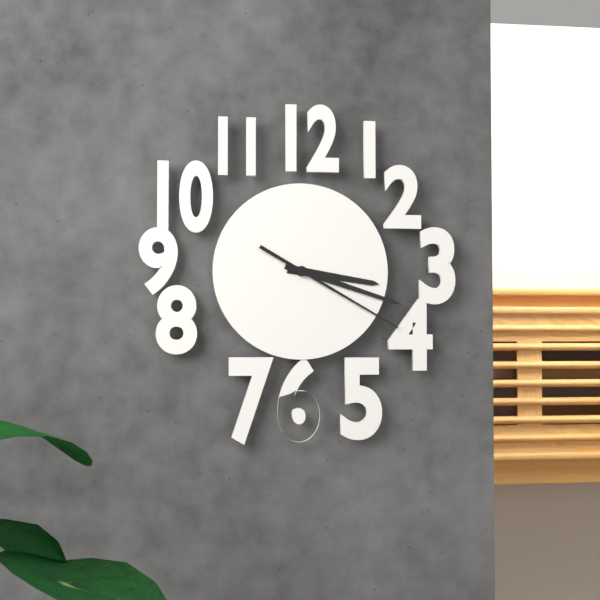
3 h 18 min 20 s
